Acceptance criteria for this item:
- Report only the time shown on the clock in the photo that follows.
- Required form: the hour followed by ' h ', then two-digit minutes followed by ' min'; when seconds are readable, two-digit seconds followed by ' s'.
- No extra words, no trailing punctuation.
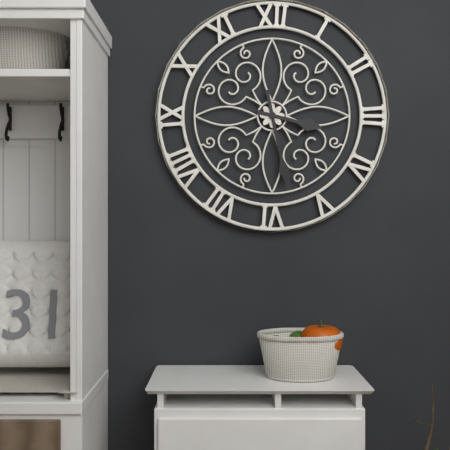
3 h 28 min
